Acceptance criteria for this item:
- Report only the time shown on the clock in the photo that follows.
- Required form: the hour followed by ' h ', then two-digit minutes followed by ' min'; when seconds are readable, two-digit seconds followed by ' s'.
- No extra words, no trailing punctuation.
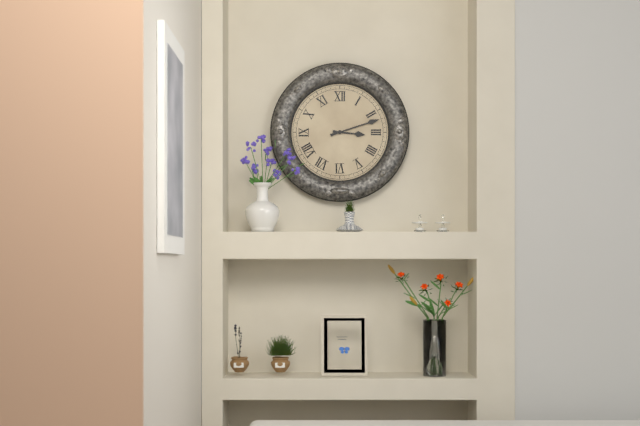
3 h 12 min
